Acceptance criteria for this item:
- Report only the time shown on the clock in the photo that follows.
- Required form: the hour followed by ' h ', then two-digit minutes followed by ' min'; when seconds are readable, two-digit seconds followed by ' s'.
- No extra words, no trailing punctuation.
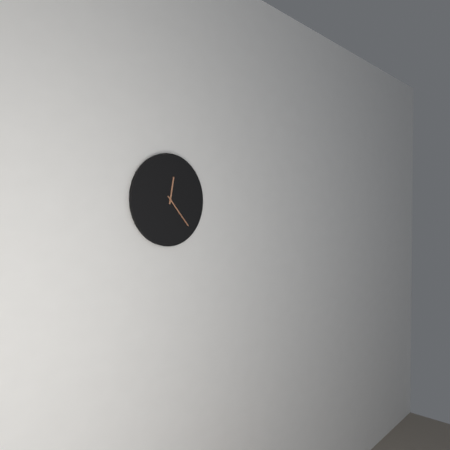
12 h 23 min
